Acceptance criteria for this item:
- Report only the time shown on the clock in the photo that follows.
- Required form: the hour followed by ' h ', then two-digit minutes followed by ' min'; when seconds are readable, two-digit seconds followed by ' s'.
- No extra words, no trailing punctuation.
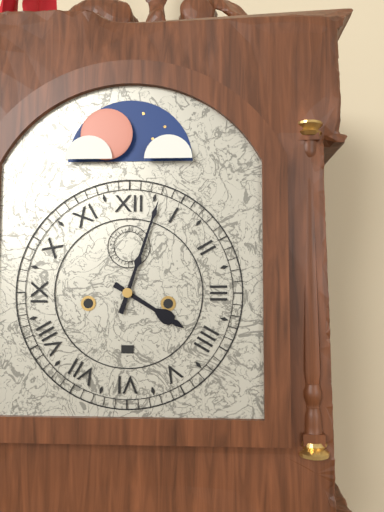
4 h 03 min
